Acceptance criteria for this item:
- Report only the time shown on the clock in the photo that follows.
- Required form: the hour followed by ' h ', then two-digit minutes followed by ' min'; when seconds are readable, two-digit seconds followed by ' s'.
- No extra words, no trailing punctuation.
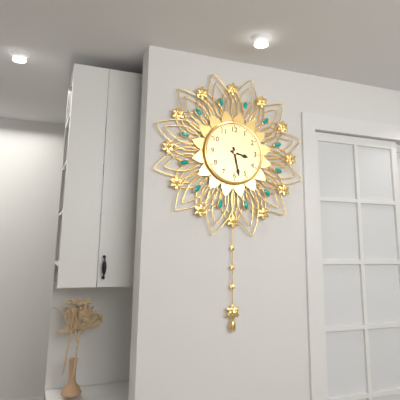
3 h 28 min
